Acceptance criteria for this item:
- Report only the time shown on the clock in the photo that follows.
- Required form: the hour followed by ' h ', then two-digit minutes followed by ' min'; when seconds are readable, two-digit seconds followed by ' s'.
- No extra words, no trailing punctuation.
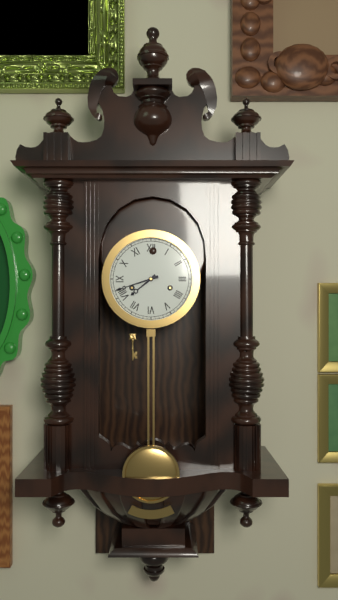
7 h 42 min
